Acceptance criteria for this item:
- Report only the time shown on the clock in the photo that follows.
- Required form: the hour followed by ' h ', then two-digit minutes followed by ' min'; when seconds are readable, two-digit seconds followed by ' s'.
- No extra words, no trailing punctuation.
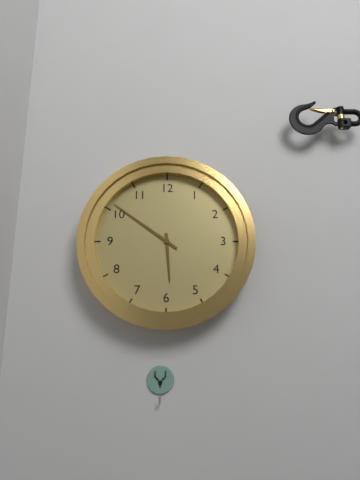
5 h 51 min
